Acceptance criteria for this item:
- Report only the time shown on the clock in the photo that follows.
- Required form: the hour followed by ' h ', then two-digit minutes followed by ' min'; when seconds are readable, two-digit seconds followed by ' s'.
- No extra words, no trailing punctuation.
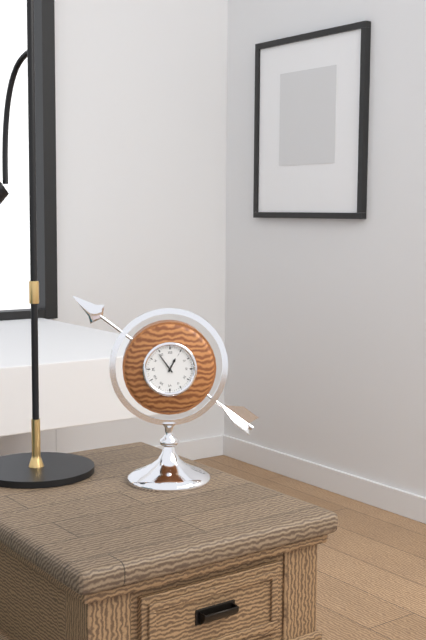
12 h 54 min
